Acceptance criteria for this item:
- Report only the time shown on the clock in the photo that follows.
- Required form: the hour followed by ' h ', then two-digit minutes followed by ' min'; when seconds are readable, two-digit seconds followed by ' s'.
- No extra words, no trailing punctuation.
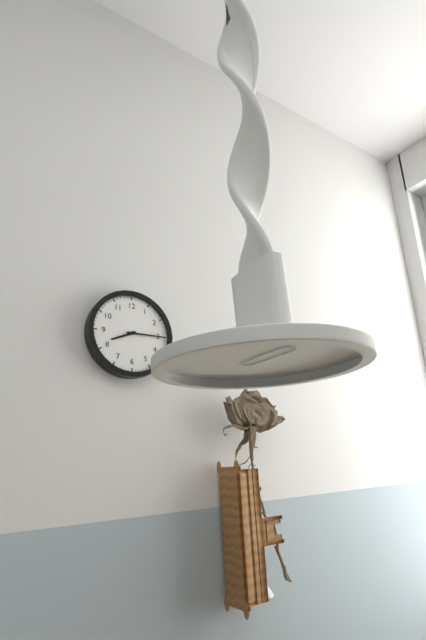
8 h 15 min
